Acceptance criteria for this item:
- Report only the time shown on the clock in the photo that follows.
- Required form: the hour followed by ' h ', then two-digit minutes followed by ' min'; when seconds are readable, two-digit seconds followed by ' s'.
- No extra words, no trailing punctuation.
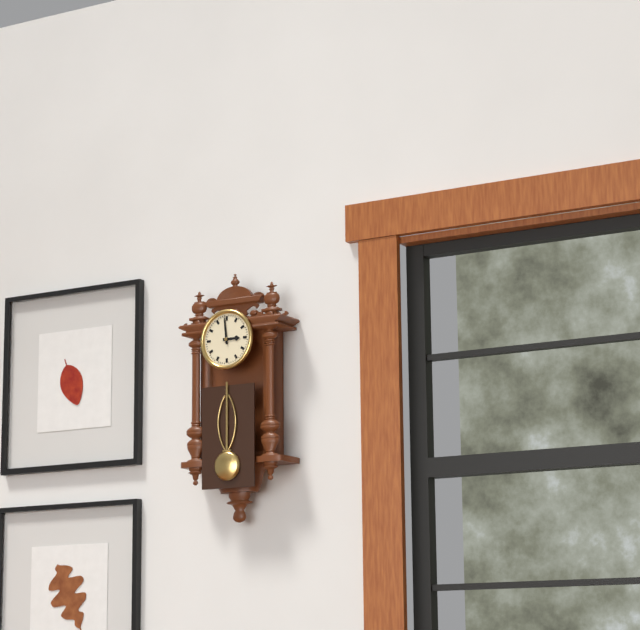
2 h 59 min
